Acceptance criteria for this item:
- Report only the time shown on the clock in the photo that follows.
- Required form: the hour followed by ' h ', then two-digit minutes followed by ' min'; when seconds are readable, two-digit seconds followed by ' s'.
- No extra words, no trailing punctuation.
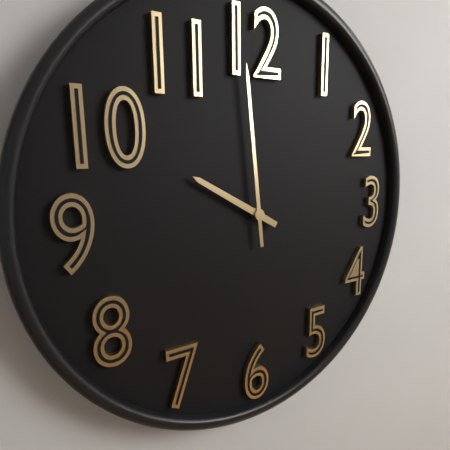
9 h 59 min
